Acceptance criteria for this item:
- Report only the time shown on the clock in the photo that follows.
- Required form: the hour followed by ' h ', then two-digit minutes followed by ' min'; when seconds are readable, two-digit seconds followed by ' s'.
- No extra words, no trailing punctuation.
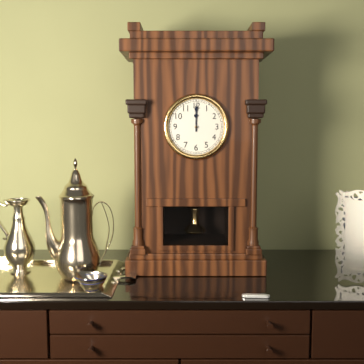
12 h 00 min
